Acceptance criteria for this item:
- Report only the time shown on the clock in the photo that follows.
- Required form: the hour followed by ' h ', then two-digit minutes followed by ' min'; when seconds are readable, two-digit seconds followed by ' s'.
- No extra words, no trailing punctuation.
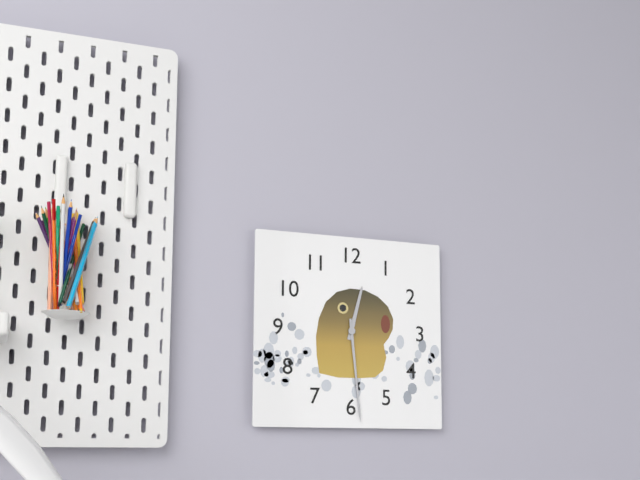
12 h 29 min
